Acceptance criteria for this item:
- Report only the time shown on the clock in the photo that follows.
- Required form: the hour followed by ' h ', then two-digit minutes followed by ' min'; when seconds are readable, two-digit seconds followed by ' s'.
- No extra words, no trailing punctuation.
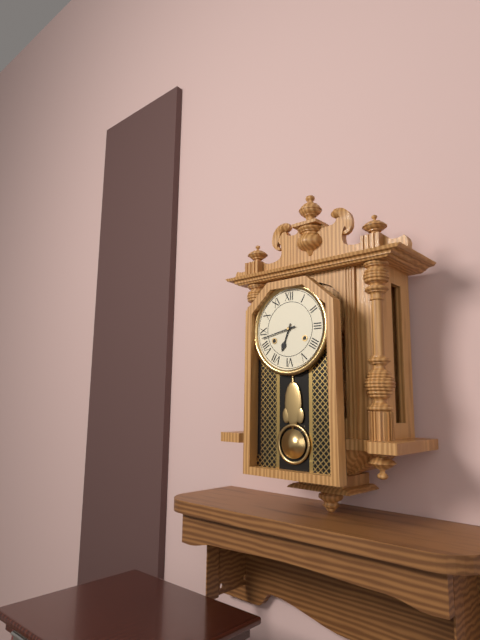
6 h 43 min
